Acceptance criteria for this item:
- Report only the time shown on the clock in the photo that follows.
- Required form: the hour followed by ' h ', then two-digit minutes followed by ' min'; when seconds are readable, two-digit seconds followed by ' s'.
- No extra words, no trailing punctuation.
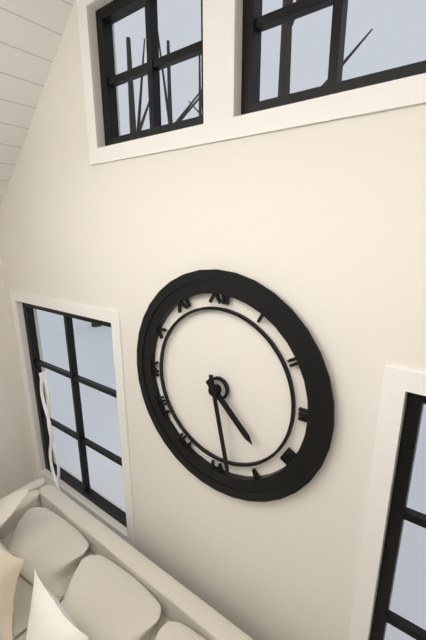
4 h 28 min
